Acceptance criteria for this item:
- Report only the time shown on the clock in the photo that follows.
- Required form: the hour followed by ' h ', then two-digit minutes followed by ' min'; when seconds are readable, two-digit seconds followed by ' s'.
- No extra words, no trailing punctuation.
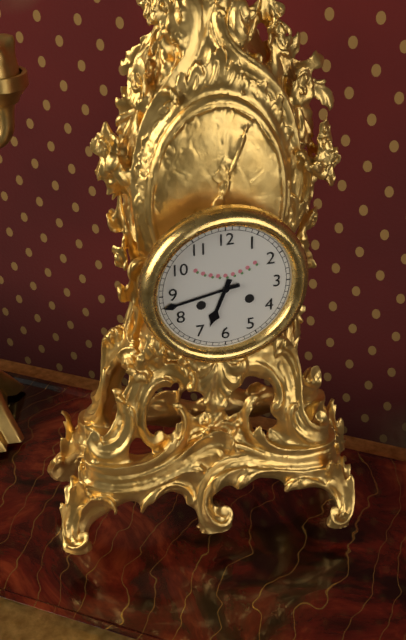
6 h 43 min
